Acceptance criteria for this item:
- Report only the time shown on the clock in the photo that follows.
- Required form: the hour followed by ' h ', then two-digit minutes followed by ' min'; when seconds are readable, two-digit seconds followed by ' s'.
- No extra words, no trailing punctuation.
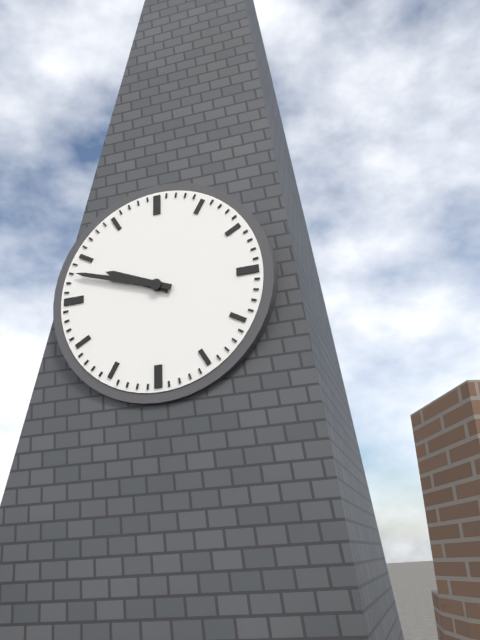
9 h 48 min
